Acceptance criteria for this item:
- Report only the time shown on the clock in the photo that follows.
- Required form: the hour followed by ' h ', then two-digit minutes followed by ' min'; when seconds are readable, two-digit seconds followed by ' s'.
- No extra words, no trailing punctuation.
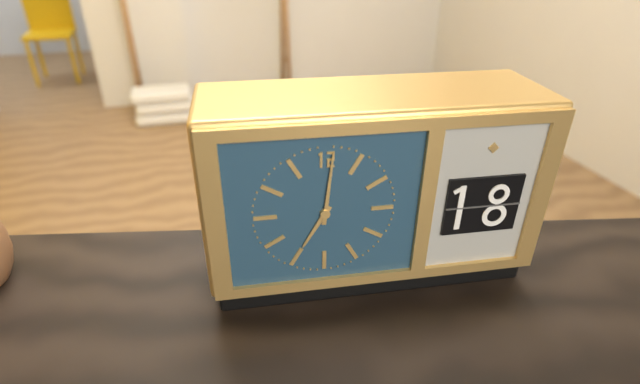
7 h 01 min
